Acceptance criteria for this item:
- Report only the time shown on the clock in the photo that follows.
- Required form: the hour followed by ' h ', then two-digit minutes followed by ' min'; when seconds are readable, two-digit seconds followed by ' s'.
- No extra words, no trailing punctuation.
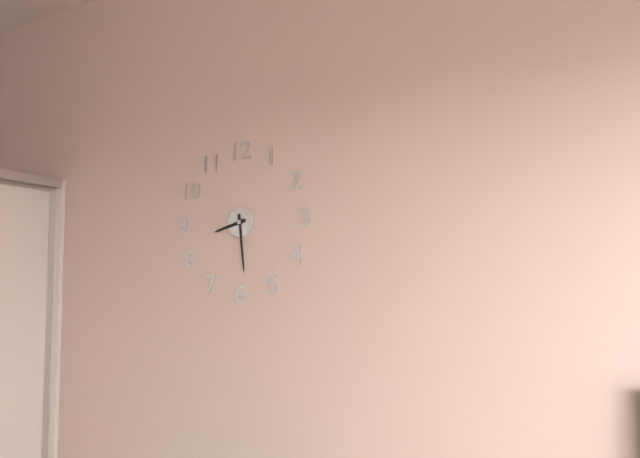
8 h 29 min
